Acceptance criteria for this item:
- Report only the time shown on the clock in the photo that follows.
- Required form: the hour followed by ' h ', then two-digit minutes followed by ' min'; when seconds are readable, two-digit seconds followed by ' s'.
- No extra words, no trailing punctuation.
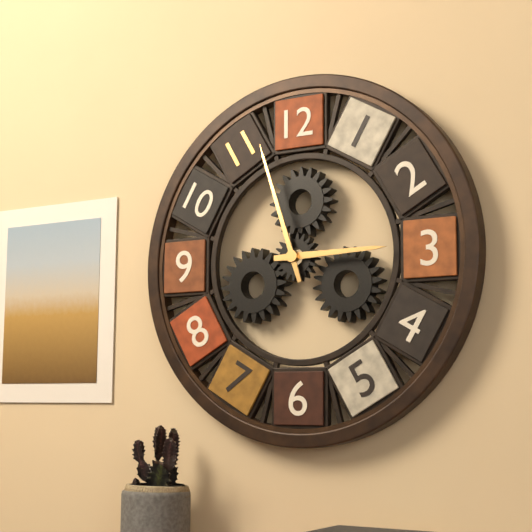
2 h 57 min
